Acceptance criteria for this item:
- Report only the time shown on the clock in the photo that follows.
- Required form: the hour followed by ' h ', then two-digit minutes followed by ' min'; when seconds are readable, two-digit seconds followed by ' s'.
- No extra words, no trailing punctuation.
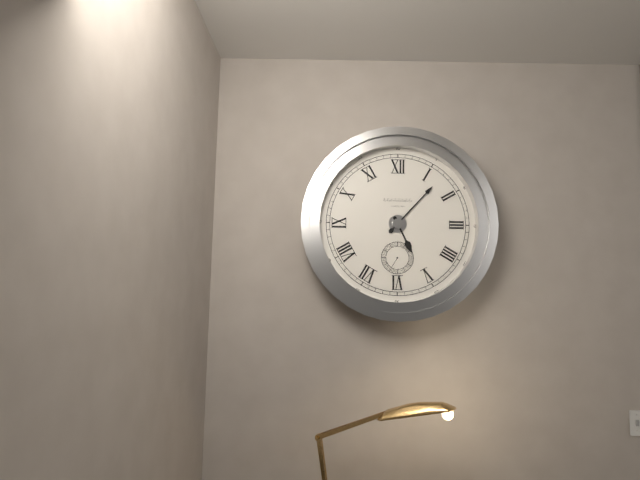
5 h 07 min
